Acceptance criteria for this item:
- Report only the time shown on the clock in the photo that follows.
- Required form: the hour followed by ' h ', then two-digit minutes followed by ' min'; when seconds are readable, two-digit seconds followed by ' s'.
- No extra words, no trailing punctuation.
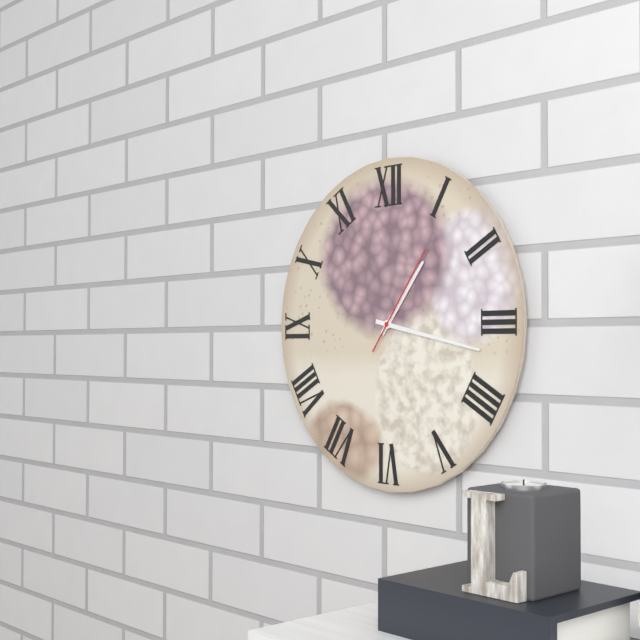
1 h 17 min 06 s
